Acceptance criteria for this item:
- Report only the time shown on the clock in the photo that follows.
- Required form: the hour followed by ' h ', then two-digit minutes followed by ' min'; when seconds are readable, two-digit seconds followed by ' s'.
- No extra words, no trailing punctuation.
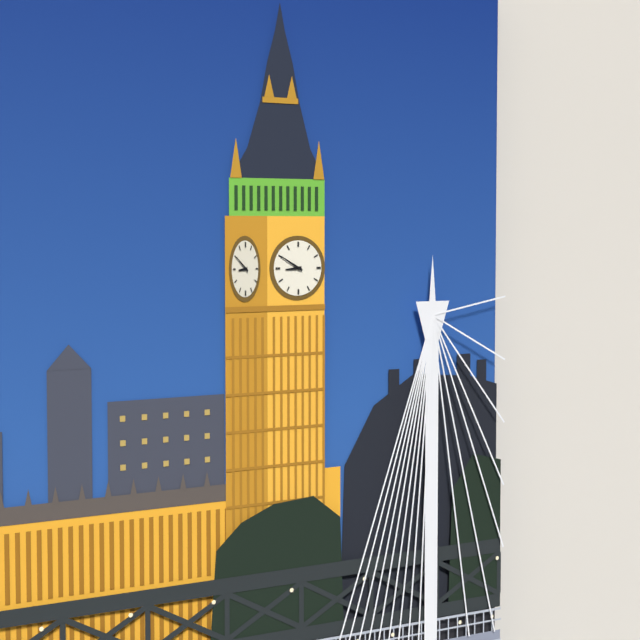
8 h 50 min
